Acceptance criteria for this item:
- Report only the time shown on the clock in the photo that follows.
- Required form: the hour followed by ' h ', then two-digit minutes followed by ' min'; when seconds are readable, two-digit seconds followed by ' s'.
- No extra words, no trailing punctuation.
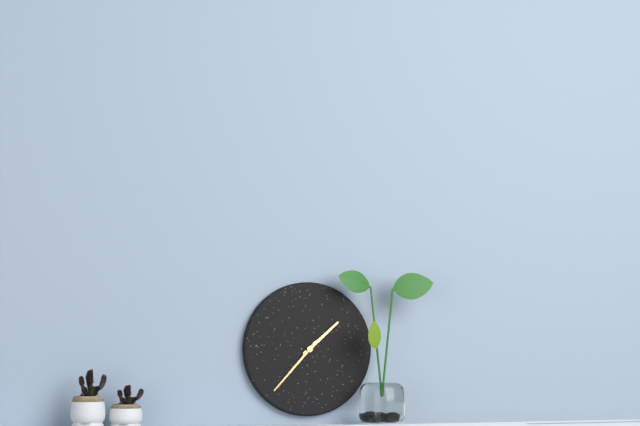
1 h 37 min
